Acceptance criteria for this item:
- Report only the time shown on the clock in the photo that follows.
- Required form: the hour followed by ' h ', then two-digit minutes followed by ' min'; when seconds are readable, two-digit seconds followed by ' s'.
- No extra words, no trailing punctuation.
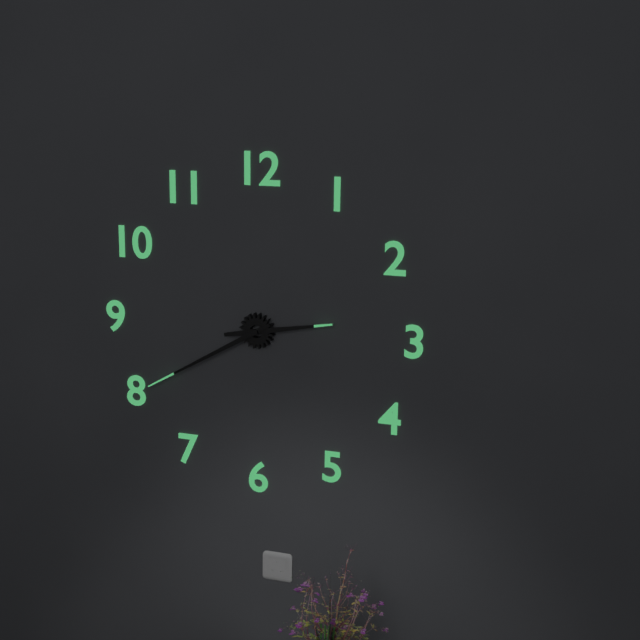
2 h 40 min
